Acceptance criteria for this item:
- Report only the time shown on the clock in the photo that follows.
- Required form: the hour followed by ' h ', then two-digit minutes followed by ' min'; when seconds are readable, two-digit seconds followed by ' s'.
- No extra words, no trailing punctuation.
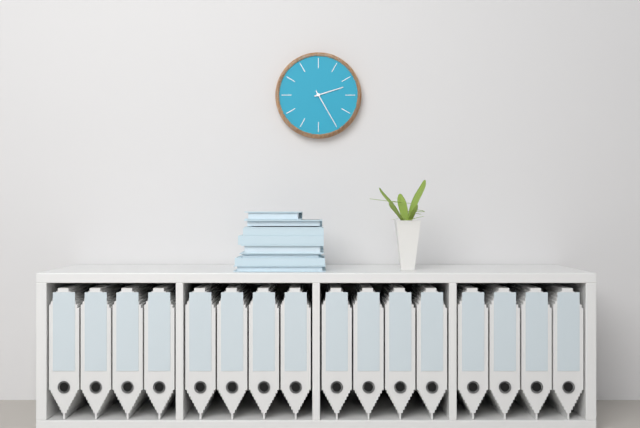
2 h 25 min
